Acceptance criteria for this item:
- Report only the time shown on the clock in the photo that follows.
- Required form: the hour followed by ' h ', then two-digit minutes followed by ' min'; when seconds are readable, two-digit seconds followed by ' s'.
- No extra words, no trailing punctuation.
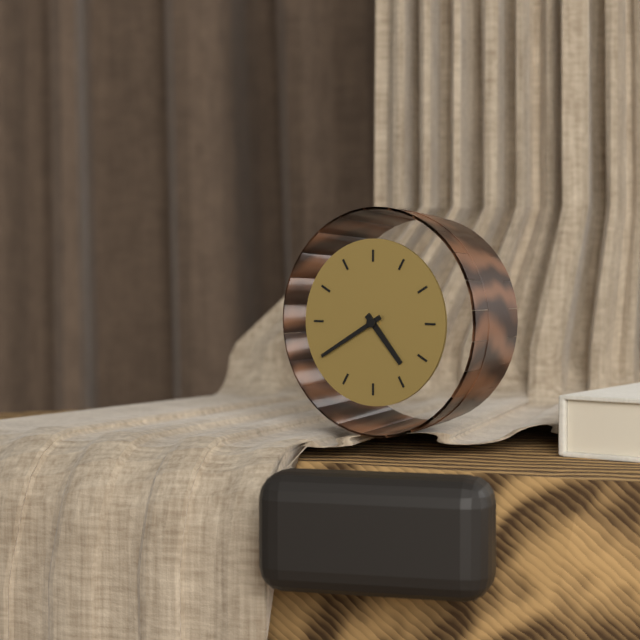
4 h 40 min
